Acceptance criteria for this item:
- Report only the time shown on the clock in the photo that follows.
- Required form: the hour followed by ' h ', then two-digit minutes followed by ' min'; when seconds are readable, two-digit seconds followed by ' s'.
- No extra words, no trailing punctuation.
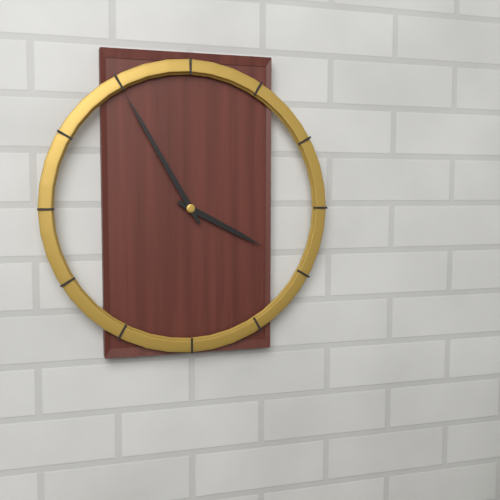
3 h 55 min
